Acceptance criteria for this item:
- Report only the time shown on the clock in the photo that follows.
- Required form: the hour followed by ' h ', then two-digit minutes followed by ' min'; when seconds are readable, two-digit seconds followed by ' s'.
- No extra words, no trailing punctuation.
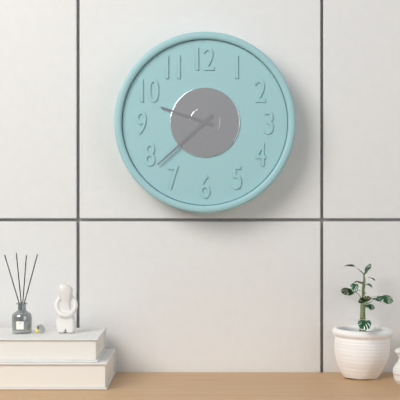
9 h 38 min
